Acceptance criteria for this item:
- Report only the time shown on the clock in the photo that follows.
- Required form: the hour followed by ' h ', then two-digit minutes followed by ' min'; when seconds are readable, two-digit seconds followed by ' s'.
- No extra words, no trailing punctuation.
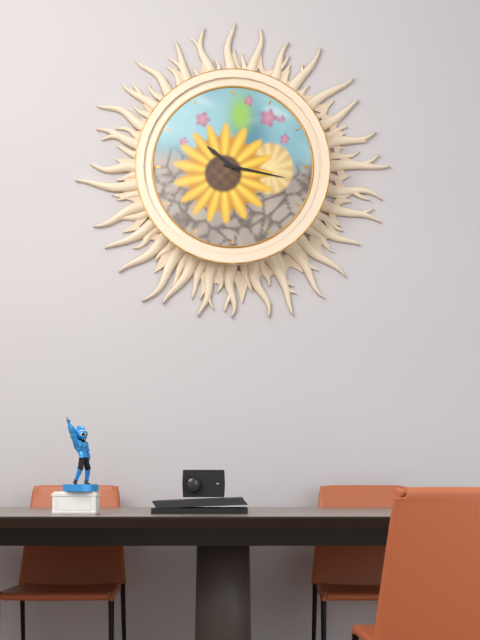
10 h 17 min
